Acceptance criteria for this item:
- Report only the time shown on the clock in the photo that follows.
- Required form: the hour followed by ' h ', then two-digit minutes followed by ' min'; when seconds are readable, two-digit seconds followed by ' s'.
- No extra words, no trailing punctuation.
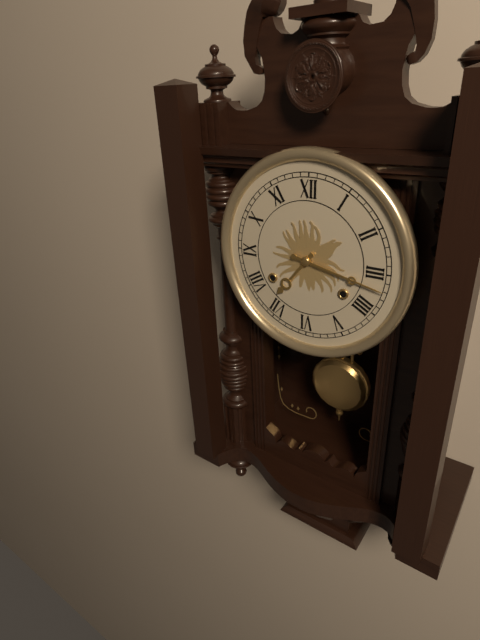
7 h 17 min
